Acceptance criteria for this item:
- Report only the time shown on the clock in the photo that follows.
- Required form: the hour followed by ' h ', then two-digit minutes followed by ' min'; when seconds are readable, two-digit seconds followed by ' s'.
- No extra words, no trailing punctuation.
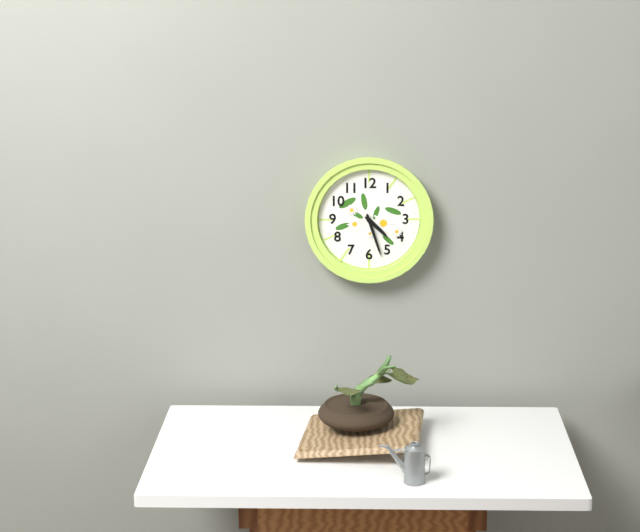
4 h 27 min
